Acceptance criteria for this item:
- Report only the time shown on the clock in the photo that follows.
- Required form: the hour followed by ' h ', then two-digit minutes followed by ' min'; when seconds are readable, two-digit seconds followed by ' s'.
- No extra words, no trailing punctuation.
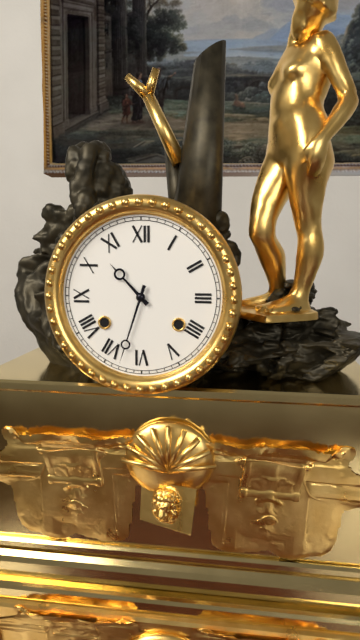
10 h 33 min
